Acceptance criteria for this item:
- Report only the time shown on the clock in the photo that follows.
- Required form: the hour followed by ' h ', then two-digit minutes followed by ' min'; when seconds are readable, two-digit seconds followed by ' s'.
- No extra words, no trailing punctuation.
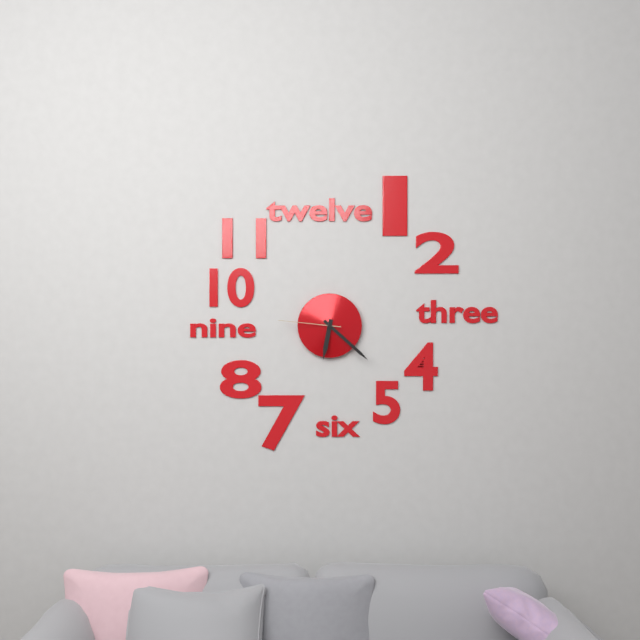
6 h 22 min 46 s
